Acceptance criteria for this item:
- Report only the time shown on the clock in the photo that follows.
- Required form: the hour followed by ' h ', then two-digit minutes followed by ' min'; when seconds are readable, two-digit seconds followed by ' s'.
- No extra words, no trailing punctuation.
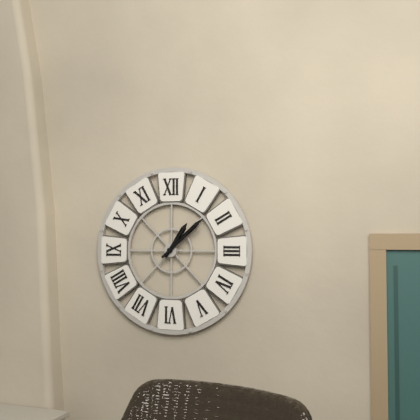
1 h 08 min
